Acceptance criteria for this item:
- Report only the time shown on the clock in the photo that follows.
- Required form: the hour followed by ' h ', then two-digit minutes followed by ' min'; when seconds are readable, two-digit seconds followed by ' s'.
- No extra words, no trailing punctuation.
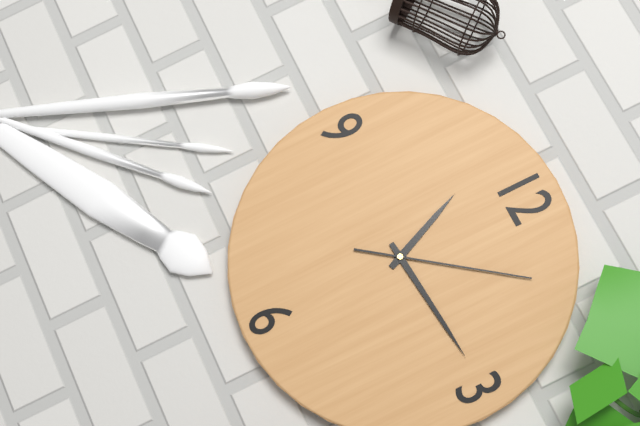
11 h 14 min 06 s
